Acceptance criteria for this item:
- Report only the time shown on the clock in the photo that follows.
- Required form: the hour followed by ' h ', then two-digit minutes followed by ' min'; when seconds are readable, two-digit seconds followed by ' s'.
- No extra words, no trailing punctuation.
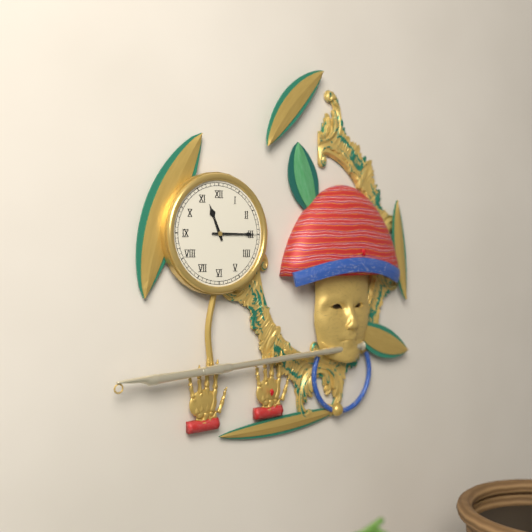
11 h 15 min
